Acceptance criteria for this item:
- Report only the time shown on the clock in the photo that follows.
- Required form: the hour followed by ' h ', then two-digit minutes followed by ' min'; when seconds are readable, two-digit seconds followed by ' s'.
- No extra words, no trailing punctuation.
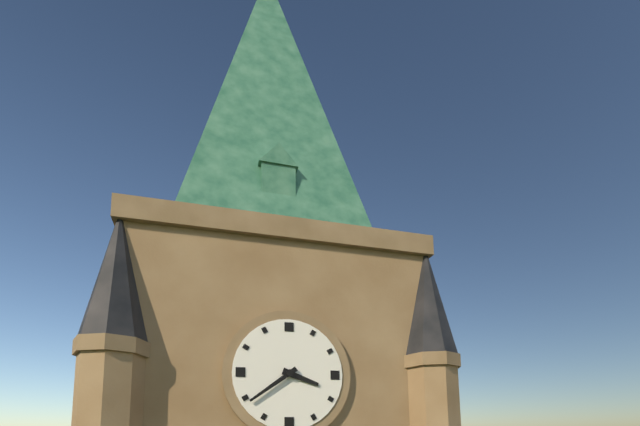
3 h 39 min
